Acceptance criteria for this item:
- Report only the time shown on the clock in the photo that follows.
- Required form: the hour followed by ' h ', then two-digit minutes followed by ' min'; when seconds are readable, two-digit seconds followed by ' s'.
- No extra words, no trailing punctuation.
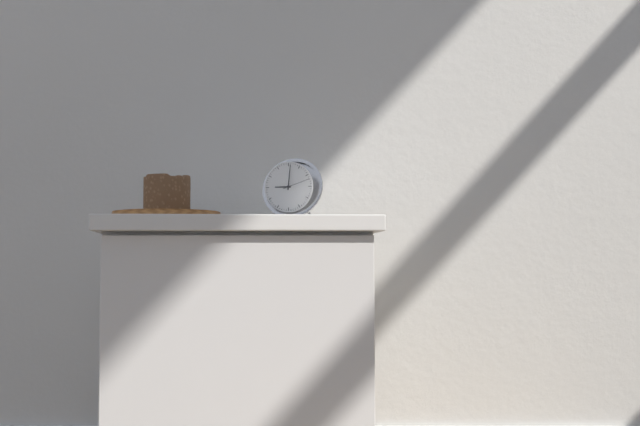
9 h 01 min
